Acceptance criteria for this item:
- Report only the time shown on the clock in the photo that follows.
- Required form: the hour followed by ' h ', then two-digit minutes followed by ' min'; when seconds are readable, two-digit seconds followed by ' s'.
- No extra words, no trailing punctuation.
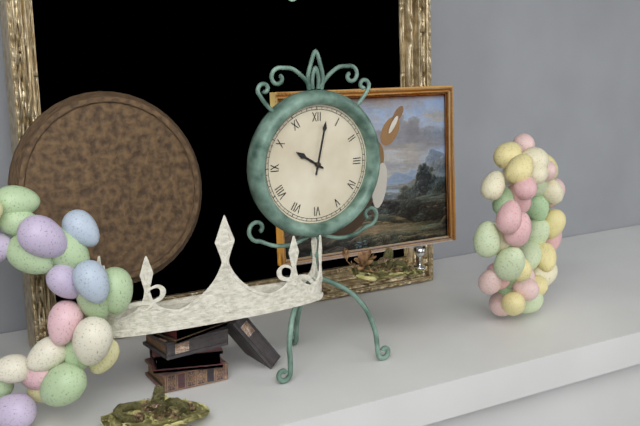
10 h 02 min
